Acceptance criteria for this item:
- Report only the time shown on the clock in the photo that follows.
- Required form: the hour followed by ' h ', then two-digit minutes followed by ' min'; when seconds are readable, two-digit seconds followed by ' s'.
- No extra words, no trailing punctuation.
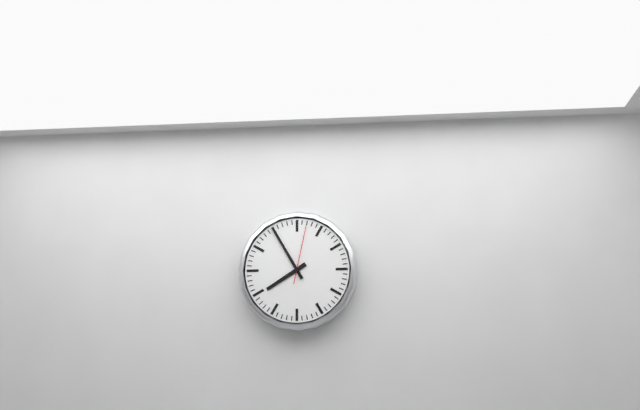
7 h 55 min 02 s
